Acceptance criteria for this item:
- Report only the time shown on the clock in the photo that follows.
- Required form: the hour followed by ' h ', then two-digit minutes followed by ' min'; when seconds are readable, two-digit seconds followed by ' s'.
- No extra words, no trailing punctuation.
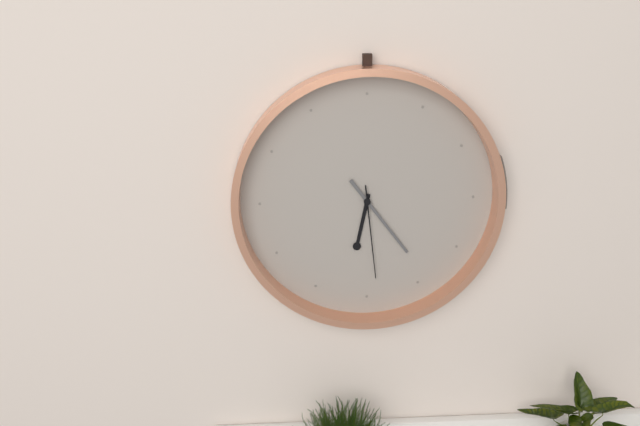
6 h 24 min 29 s
